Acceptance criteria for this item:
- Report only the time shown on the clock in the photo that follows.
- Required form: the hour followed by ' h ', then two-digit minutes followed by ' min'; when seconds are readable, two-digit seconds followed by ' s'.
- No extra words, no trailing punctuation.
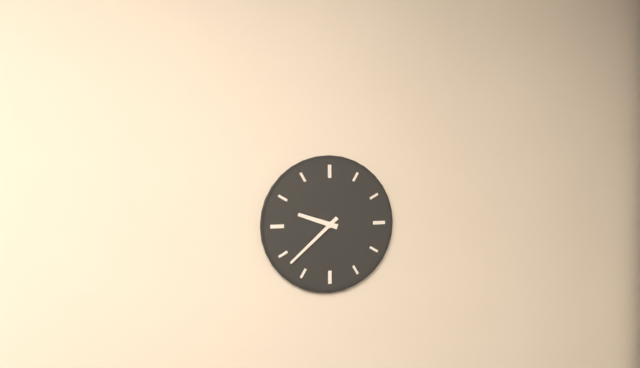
9 h 38 min
